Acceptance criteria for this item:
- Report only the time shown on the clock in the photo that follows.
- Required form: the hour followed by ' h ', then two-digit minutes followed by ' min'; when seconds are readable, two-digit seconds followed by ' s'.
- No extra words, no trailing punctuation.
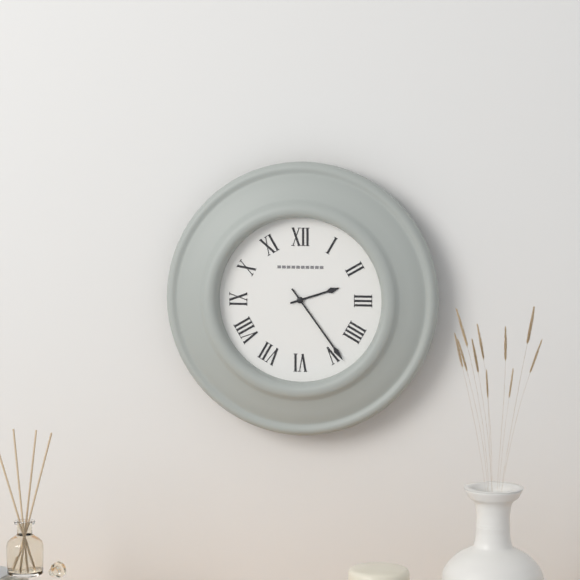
2 h 24 min
